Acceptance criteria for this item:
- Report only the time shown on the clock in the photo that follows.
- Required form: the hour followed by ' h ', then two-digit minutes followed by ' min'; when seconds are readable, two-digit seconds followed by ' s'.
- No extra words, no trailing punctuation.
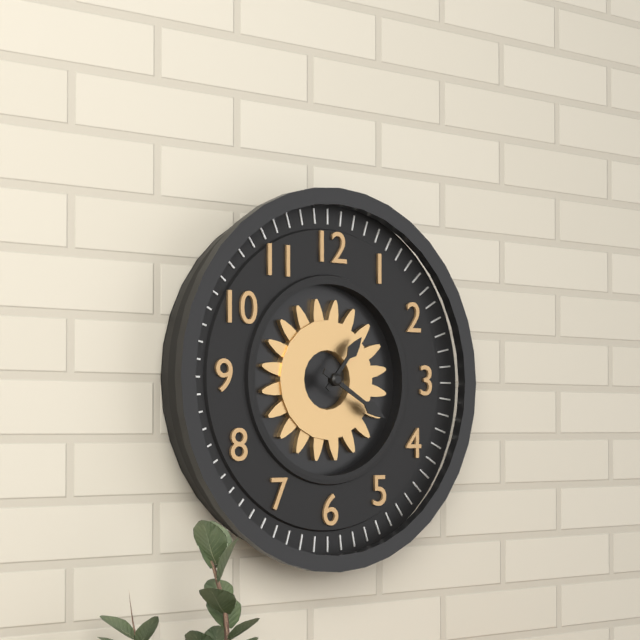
1 h 20 min
